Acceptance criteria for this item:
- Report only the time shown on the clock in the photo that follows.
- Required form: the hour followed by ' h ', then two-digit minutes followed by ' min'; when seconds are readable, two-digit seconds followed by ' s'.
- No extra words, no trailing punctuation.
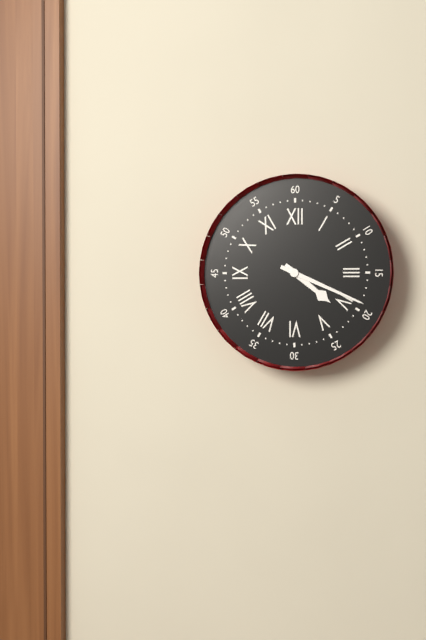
4 h 19 min
